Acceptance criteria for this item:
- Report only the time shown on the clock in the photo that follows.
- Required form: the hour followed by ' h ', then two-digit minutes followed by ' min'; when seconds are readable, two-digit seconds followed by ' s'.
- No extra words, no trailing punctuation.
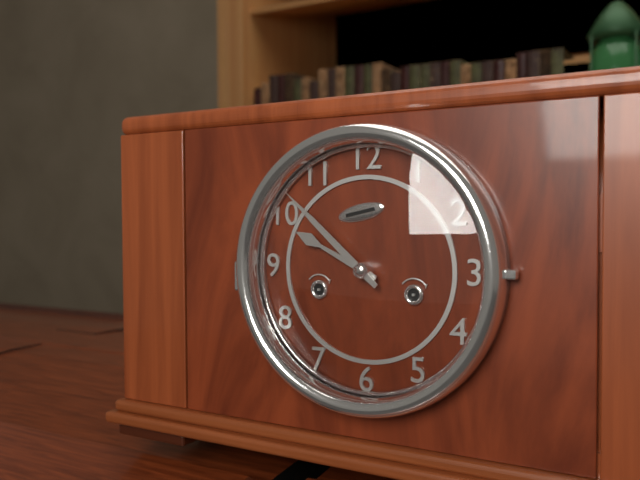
9 h 52 min
